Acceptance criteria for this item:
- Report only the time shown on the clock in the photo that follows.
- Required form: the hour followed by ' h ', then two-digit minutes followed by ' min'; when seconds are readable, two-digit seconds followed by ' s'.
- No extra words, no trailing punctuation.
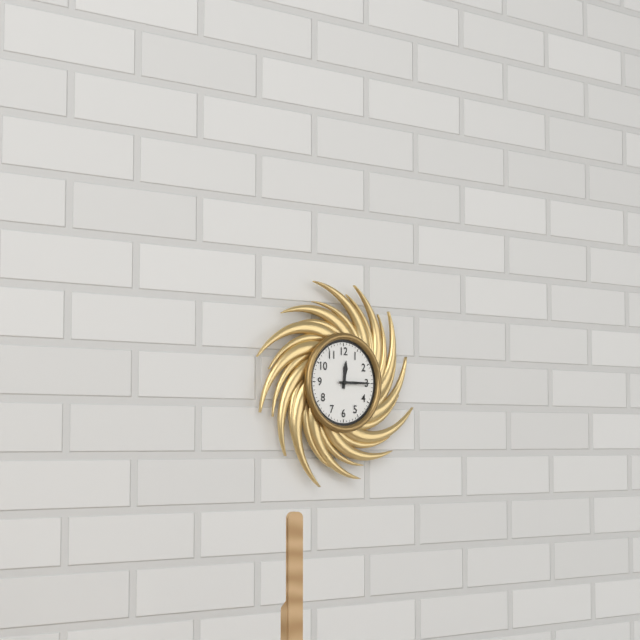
12 h 15 min
